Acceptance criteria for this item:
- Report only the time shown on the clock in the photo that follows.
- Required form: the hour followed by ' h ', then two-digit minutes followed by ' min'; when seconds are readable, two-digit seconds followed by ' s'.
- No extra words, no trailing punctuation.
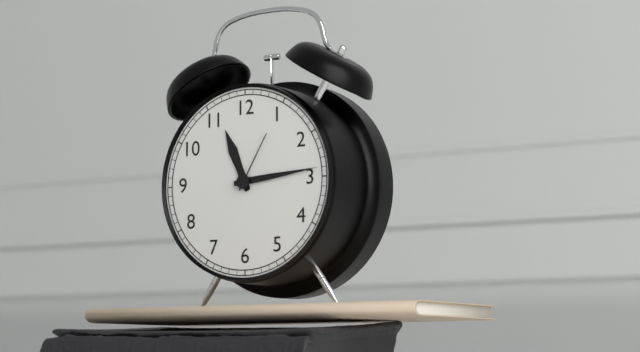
11 h 14 min 05 s
